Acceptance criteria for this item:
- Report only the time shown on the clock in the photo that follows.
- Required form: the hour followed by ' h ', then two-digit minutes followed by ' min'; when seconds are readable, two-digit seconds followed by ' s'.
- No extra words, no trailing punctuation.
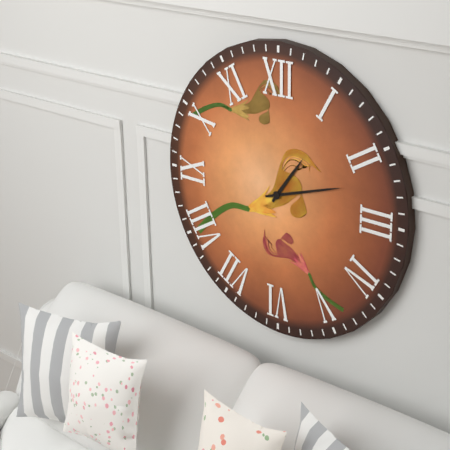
1 h 12 min
